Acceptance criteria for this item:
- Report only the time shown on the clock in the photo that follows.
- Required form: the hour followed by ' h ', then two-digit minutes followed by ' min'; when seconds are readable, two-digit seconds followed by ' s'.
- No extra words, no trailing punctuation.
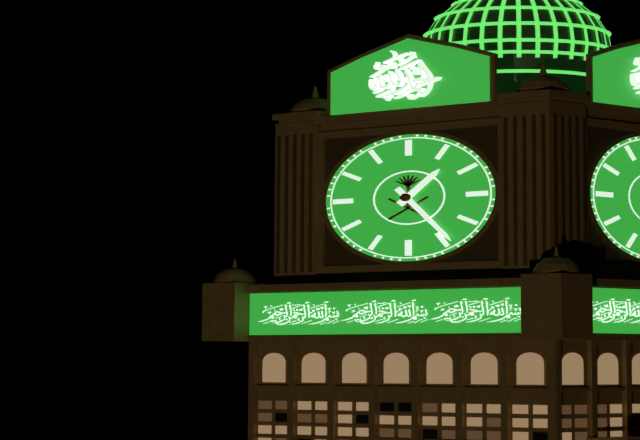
1 h 24 min
